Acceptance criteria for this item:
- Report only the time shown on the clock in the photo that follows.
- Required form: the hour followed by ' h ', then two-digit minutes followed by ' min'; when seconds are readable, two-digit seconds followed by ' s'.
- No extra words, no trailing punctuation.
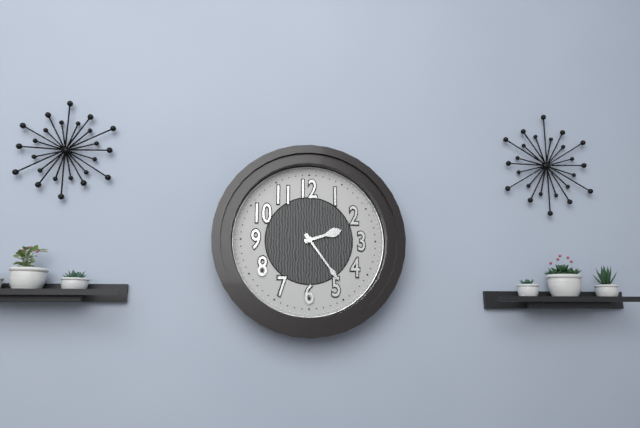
2 h 24 min
